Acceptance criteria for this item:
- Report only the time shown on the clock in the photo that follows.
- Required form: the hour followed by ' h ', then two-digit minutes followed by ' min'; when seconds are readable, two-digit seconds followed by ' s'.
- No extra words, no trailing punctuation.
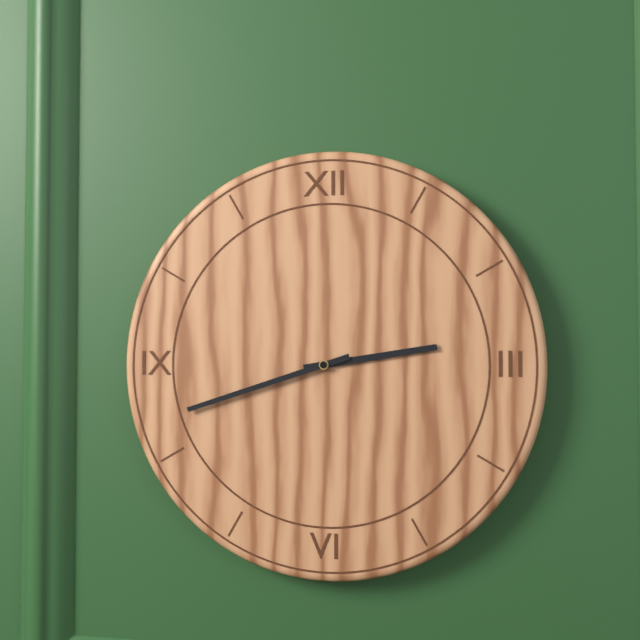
2 h 42 min
